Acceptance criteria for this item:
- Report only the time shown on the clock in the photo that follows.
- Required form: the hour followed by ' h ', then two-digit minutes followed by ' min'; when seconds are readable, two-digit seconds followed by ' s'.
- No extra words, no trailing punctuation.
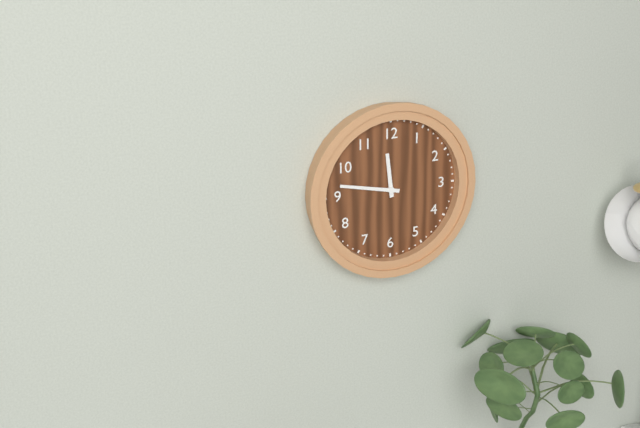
11 h 47 min
